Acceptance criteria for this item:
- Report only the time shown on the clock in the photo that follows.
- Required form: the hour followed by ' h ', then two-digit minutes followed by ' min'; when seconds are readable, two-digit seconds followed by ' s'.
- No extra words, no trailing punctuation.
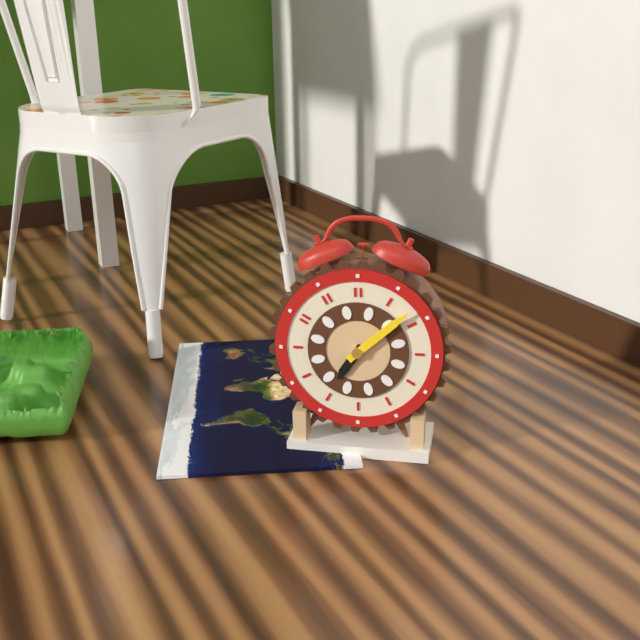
7 h 08 min
